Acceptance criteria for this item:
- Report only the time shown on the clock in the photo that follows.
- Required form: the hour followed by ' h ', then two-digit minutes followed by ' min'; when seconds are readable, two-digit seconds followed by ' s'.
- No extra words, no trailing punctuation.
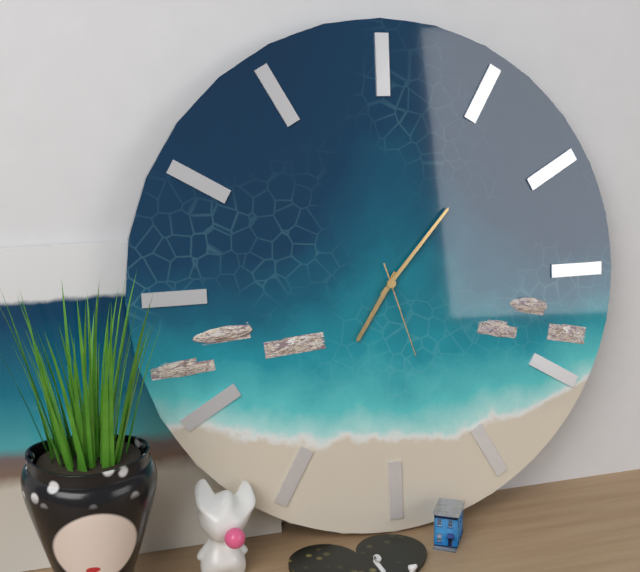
7 h 07 min 27 s
